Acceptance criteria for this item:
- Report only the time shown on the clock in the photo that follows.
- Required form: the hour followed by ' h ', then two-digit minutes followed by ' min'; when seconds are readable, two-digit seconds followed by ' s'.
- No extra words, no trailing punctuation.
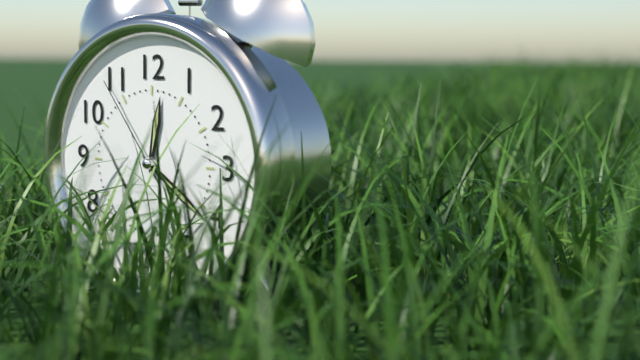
12 h 21 min 54 s
